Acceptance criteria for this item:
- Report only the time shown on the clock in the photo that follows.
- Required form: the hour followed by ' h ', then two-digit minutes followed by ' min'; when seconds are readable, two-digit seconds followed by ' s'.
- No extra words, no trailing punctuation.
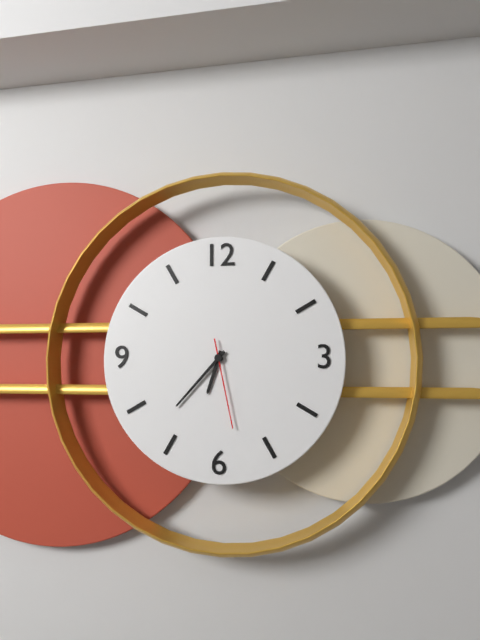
6 h 37 min 28 s
